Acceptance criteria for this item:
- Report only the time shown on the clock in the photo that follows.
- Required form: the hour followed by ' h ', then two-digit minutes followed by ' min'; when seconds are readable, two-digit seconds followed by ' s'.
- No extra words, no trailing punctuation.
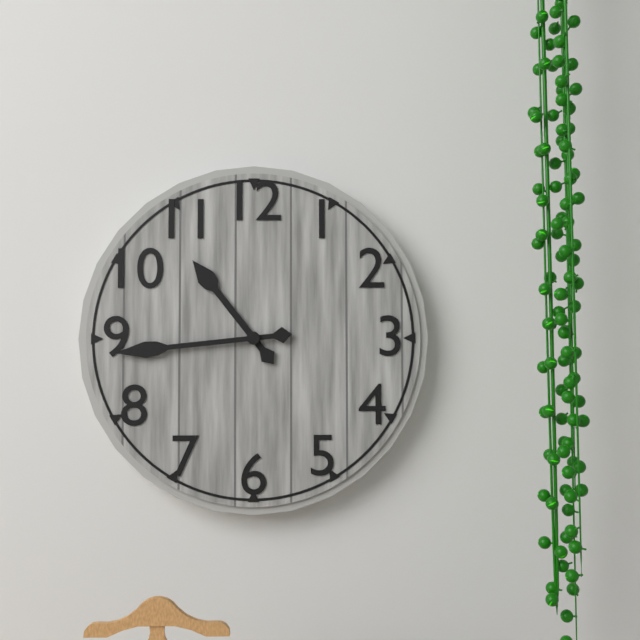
10 h 44 min
